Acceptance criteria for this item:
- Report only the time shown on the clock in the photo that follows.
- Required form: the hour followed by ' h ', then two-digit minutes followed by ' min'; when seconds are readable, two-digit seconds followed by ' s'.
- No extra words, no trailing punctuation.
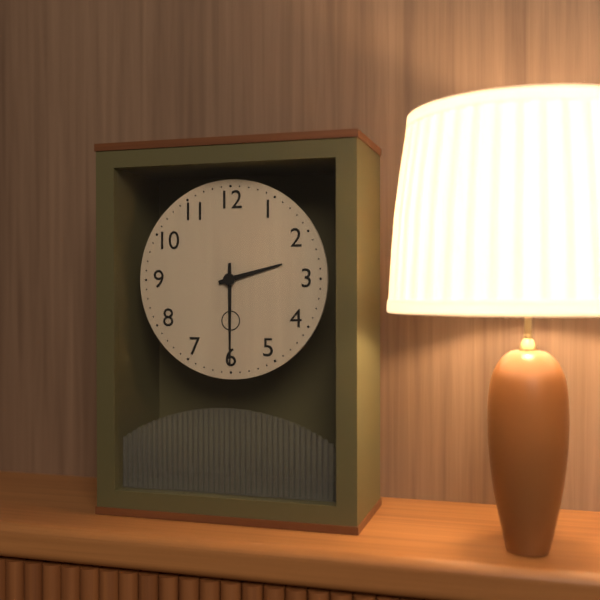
2 h 30 min
